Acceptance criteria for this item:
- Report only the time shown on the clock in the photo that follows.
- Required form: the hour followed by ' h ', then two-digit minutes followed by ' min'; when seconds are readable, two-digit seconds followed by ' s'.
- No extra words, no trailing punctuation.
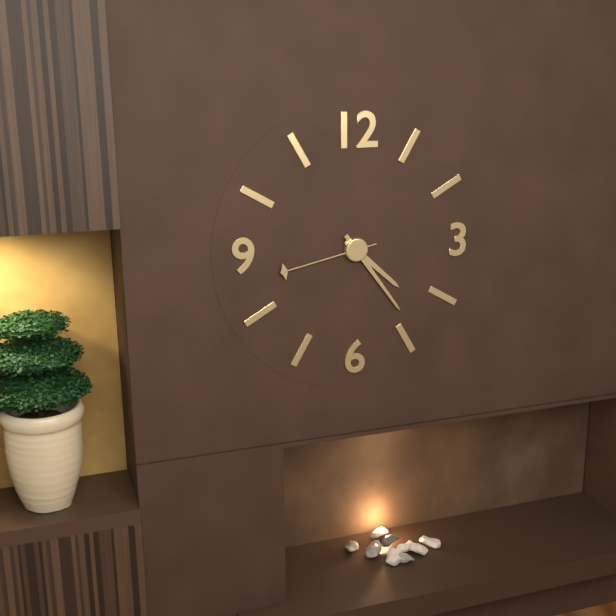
4 h 24 min 43 s
